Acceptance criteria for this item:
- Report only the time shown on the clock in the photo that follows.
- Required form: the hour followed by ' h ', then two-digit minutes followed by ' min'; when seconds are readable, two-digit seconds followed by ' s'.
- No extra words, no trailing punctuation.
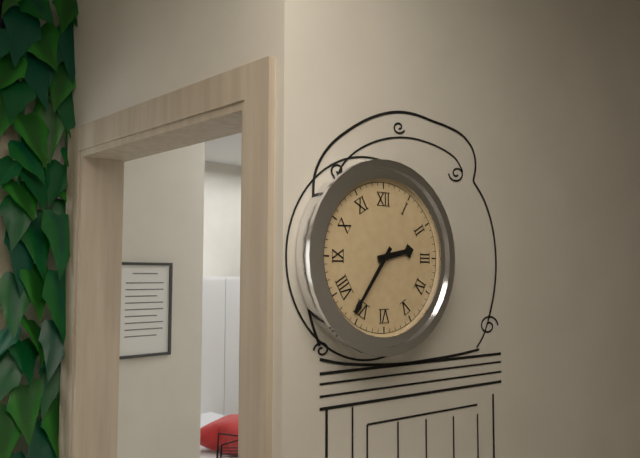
2 h 36 min
